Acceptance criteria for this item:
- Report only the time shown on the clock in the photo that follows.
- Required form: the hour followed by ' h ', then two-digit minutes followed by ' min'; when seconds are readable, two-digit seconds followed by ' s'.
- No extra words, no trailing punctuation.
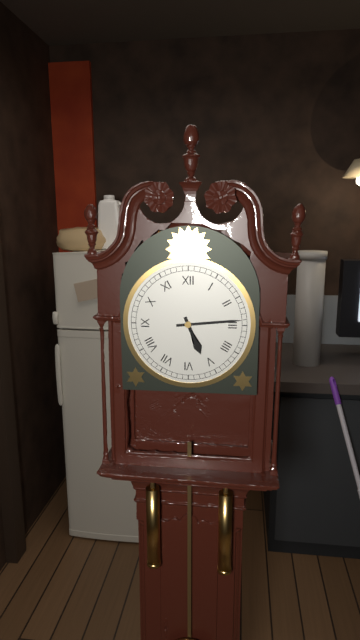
5 h 14 min
